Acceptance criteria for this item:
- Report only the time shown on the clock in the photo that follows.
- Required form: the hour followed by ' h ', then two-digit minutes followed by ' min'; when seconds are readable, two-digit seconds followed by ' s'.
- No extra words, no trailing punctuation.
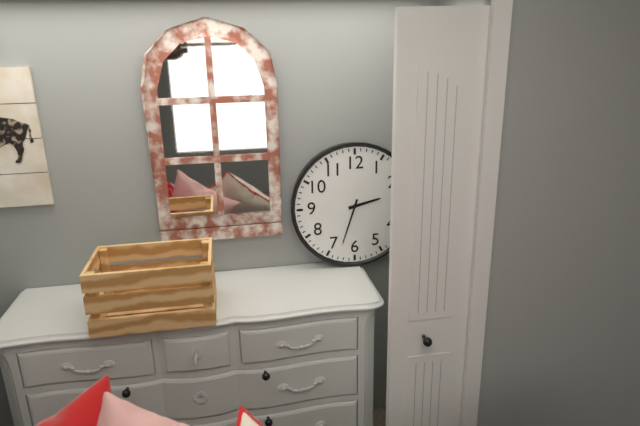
2 h 33 min
